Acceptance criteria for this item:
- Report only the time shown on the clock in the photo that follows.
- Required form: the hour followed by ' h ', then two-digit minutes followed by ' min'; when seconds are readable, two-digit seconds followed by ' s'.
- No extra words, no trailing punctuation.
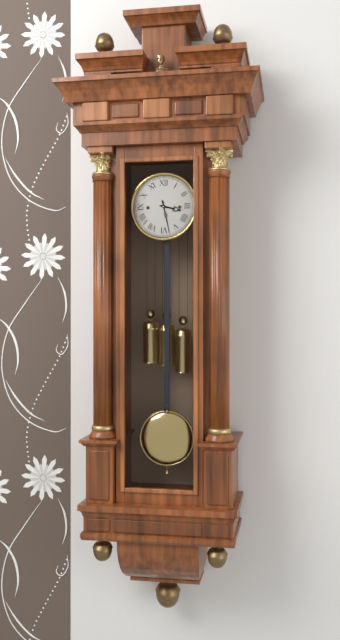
3 h 28 min
